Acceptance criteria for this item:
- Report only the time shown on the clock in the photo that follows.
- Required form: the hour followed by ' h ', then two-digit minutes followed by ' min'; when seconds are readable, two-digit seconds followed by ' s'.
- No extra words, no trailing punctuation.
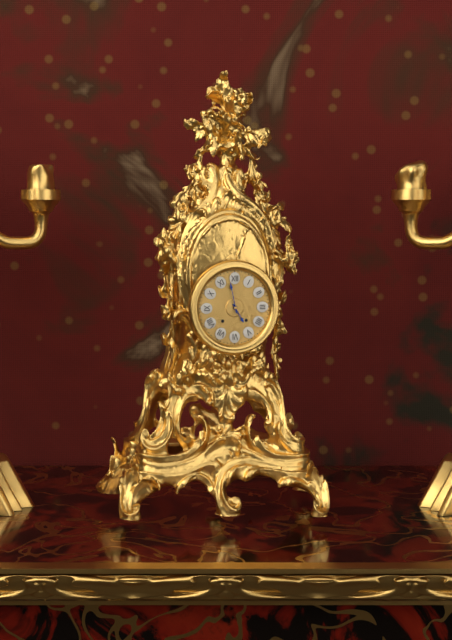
4 h 58 min
